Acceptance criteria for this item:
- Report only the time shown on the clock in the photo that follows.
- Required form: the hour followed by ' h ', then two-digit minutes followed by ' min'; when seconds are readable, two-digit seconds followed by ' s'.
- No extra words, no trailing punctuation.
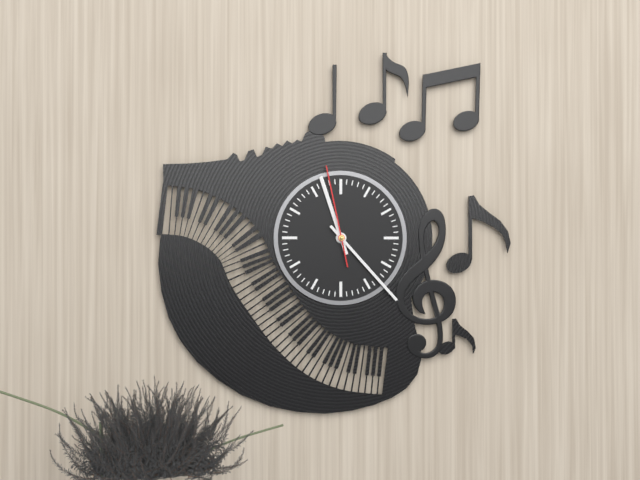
11 h 23 min 58 s
